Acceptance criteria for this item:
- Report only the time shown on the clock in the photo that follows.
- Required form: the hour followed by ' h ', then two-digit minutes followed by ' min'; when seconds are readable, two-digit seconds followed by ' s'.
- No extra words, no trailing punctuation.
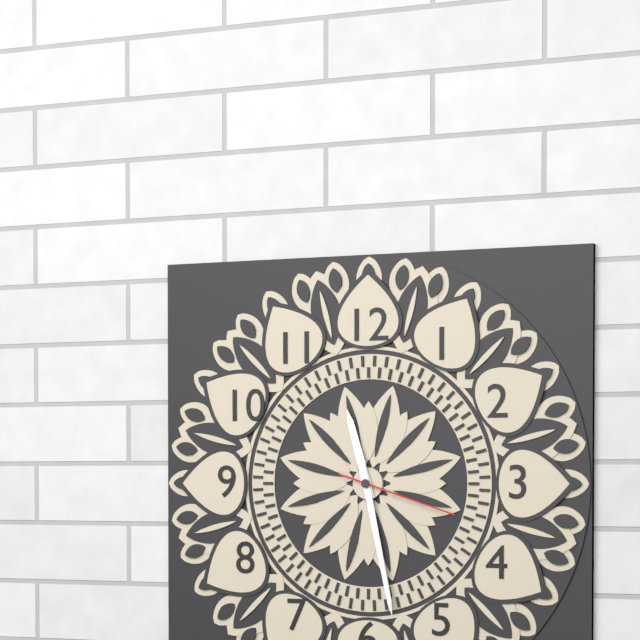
11 h 28 min 18 s
